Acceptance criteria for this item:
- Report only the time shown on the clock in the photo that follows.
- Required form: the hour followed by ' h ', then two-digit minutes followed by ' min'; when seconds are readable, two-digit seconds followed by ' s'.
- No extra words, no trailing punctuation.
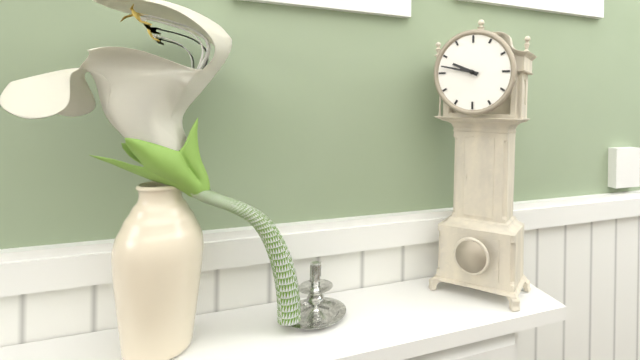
9 h 47 min
